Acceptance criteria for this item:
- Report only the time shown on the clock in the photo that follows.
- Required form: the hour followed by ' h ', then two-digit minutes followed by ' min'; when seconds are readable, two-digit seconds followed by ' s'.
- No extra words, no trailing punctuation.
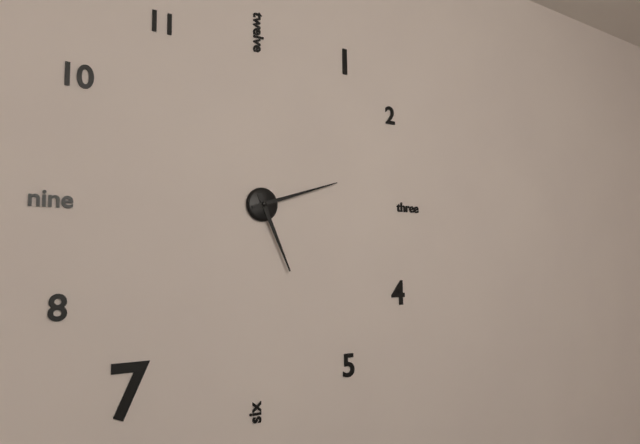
5 h 12 min
